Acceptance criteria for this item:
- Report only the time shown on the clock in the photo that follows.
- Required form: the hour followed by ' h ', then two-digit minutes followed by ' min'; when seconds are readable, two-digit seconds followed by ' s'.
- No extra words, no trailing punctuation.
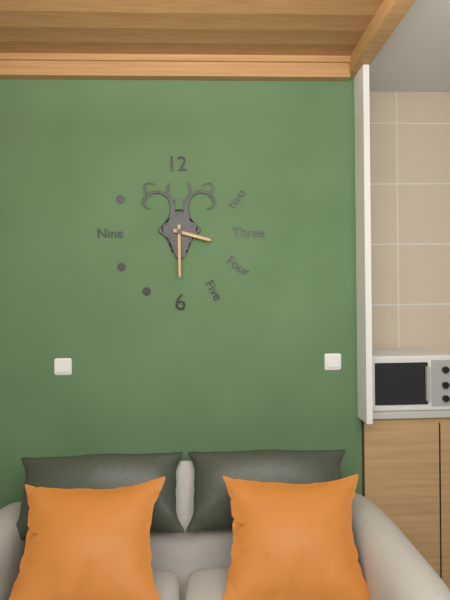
3 h 30 min
